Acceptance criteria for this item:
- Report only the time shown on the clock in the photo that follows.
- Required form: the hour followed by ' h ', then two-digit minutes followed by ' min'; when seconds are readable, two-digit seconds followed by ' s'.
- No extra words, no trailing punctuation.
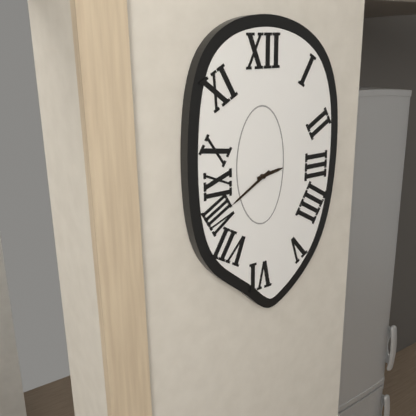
2 h 40 min
